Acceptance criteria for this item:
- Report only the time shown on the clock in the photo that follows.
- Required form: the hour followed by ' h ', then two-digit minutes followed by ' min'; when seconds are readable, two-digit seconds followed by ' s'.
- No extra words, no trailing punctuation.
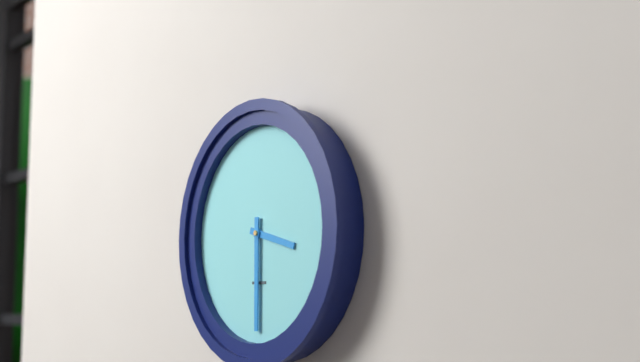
3 h 30 min
